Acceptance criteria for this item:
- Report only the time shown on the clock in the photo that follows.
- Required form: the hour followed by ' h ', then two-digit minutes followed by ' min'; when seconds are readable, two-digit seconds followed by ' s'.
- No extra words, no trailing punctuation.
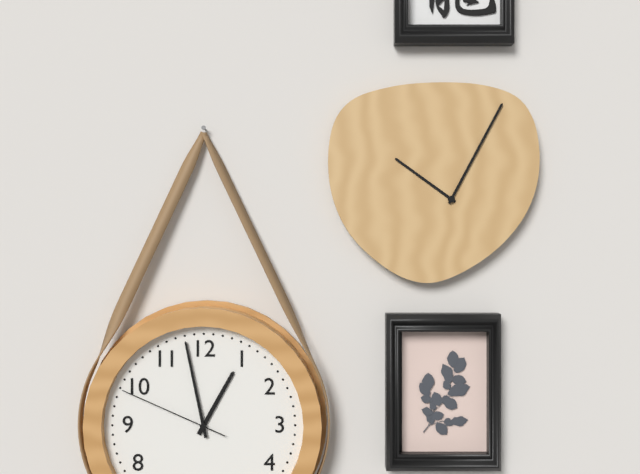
12 h 58 min 49 s
